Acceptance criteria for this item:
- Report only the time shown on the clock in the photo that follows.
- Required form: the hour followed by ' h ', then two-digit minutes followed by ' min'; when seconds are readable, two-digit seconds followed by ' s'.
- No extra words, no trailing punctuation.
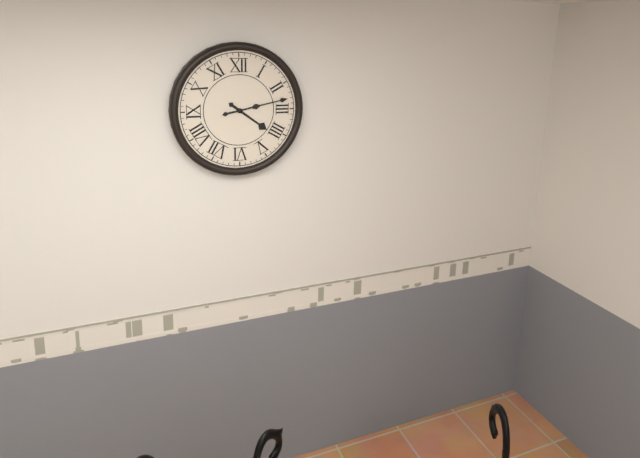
4 h 13 min
